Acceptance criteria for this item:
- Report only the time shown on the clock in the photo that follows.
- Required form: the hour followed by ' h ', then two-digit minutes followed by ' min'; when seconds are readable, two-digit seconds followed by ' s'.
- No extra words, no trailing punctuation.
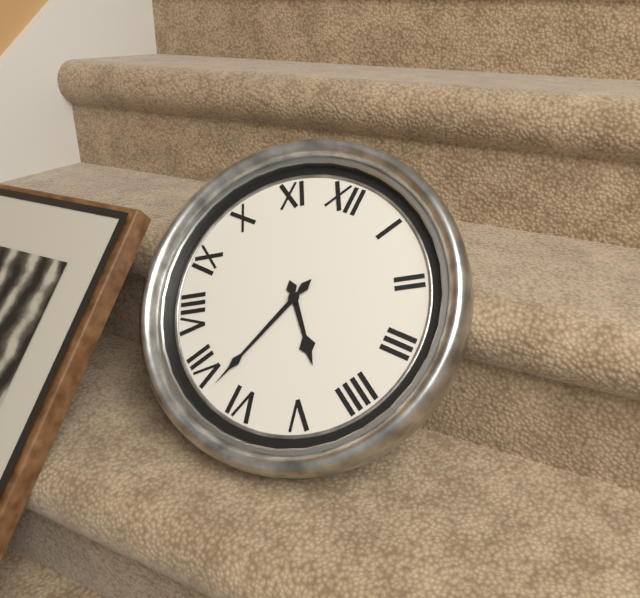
4 h 33 min
